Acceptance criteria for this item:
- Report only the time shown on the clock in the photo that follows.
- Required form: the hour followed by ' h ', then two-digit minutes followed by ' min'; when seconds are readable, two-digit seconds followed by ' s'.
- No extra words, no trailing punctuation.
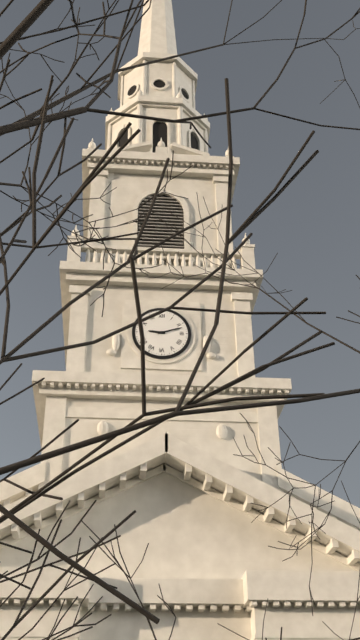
9 h 12 min
